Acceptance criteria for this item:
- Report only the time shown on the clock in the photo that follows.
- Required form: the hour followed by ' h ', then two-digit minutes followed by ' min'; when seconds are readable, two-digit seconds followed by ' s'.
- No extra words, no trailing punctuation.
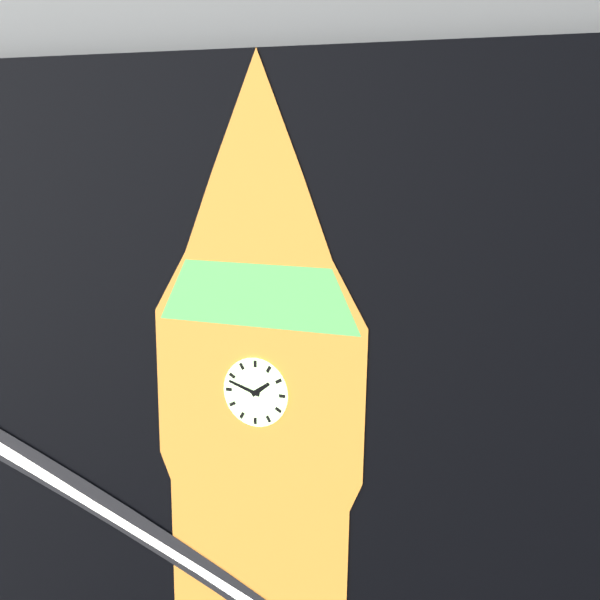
1 h 48 min
